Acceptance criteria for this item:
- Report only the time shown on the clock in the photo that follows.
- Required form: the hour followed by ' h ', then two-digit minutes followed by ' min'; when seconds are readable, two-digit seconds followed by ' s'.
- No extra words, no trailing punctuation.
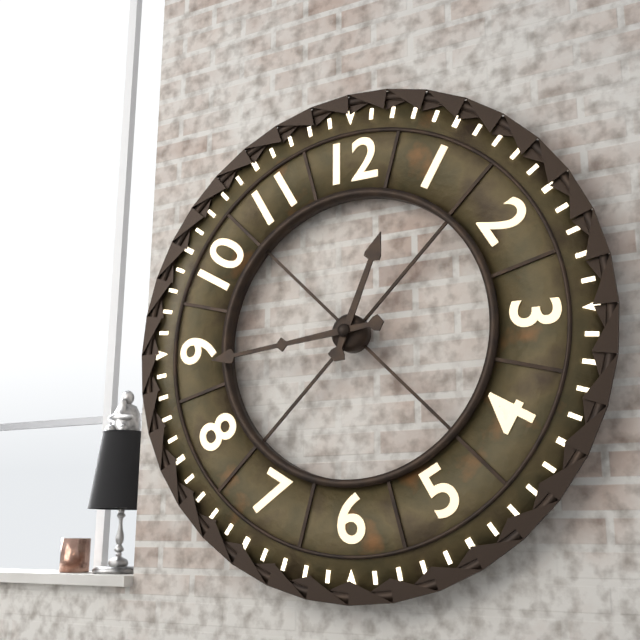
12 h 44 min
